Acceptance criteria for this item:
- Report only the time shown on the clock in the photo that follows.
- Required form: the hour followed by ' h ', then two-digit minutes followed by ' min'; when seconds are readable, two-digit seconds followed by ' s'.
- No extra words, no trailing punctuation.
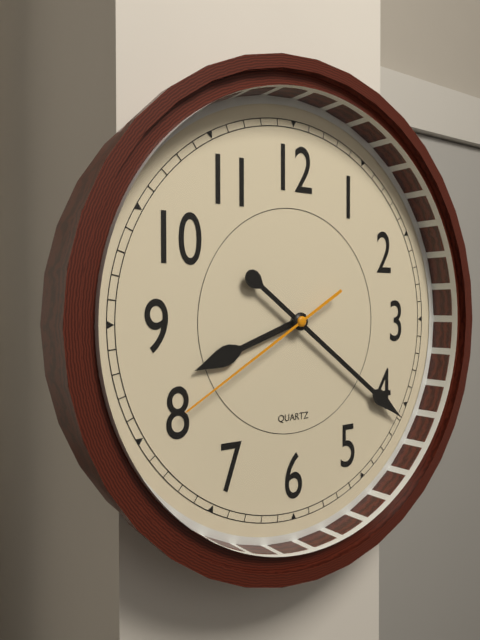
8 h 21 min 40 s
